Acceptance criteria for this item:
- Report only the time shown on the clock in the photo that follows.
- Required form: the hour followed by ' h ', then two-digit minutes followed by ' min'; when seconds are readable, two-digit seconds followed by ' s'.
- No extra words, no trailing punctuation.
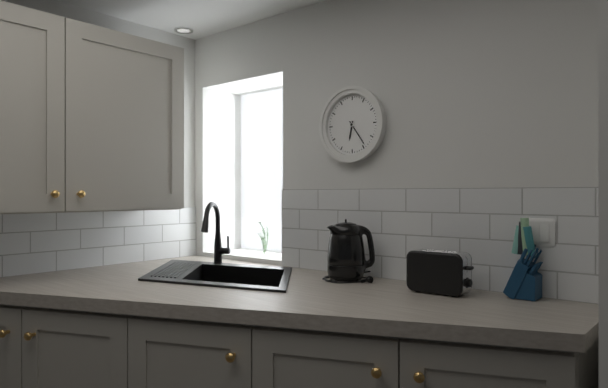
6 h 24 min
